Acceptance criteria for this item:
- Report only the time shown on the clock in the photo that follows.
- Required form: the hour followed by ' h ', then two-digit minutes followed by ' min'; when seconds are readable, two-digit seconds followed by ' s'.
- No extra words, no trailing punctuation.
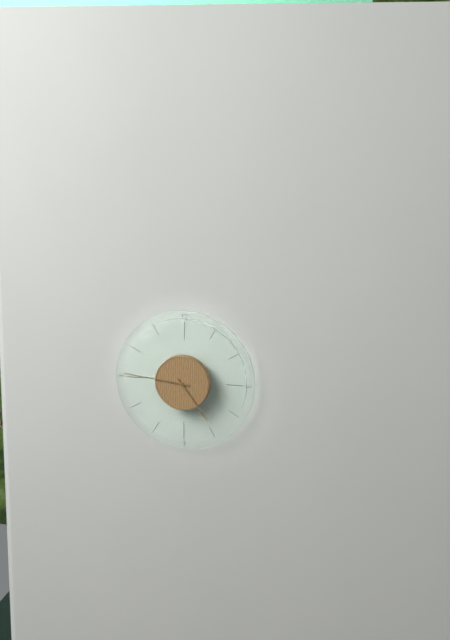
4 h 46 min
